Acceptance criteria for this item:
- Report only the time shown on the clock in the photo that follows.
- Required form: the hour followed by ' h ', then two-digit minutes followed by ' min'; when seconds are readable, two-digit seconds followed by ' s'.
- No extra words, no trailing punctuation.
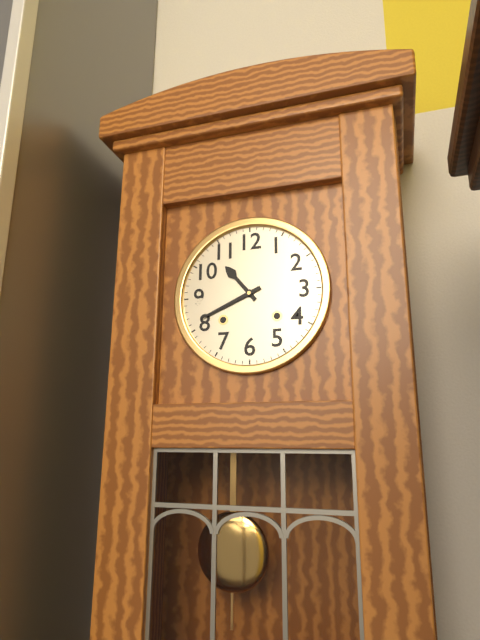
10 h 41 min
